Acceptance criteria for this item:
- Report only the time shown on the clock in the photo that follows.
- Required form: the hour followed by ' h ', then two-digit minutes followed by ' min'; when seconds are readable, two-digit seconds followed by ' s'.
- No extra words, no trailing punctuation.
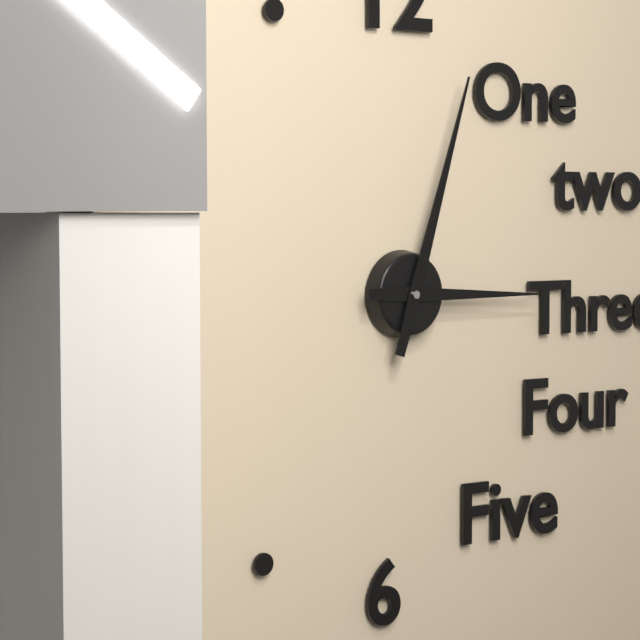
3 h 03 min
